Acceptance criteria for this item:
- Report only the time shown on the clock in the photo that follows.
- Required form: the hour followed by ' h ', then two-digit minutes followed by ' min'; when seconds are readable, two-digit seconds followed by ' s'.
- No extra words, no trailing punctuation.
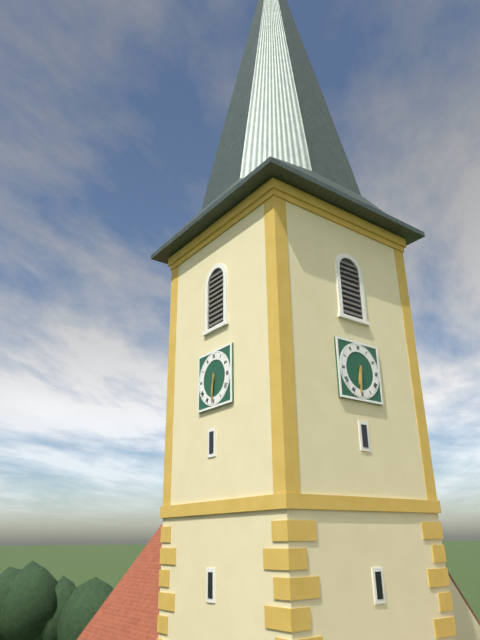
6 h 31 min
